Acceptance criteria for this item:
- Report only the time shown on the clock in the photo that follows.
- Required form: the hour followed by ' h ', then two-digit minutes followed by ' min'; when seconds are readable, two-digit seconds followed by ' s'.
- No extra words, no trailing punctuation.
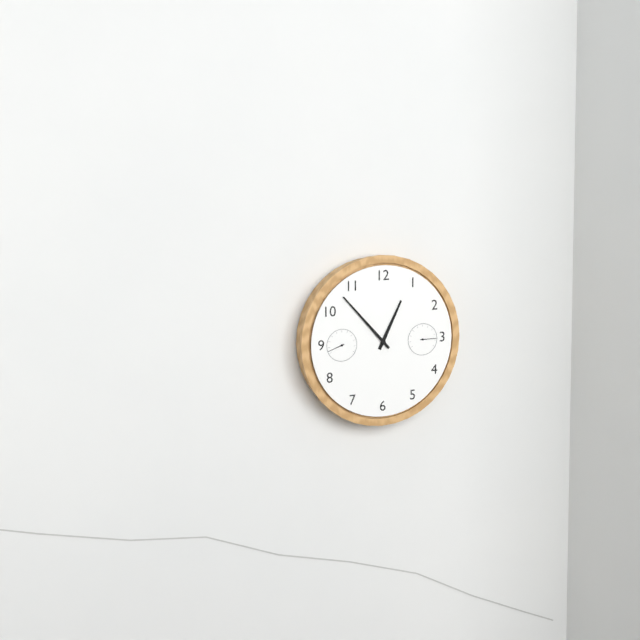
12 h 53 min
